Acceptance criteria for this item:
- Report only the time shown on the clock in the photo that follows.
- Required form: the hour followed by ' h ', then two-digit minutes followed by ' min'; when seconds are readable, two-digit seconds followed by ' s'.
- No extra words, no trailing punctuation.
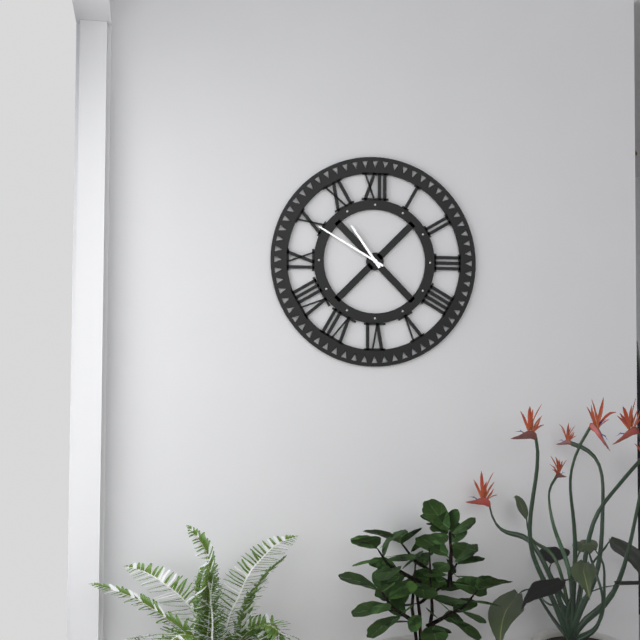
10 h 50 min
